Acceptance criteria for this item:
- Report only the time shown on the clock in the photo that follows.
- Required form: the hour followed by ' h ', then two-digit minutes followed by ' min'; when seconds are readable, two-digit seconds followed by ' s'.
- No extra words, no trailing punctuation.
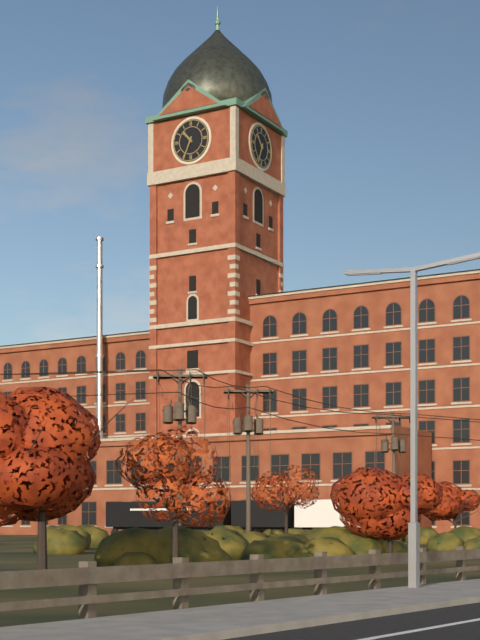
10 h 34 min
